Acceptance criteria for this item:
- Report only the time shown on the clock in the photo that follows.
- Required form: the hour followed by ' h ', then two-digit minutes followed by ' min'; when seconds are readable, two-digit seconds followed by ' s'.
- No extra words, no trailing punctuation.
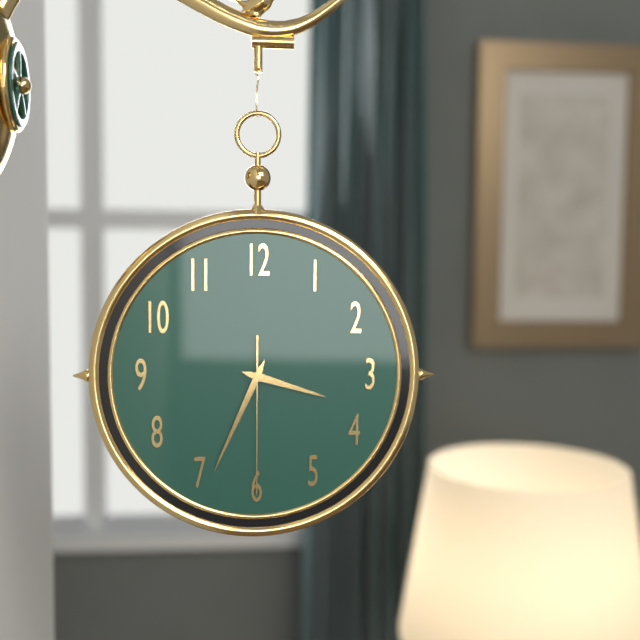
3 h 34 min 30 s
